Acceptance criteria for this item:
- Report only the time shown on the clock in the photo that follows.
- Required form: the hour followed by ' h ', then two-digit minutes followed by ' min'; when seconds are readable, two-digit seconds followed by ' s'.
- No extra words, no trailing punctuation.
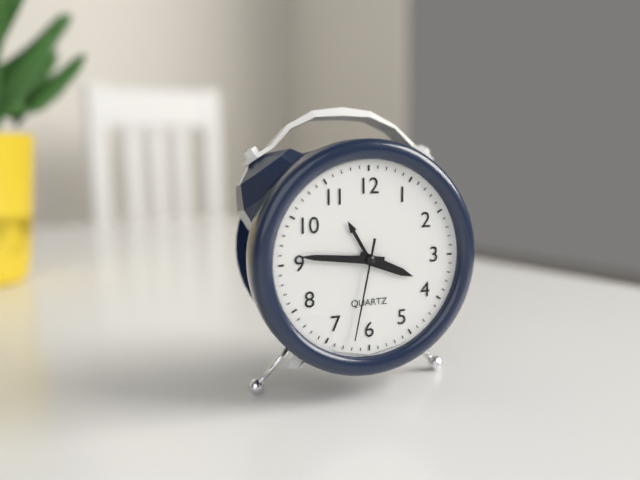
3 h 46 min 32 s
